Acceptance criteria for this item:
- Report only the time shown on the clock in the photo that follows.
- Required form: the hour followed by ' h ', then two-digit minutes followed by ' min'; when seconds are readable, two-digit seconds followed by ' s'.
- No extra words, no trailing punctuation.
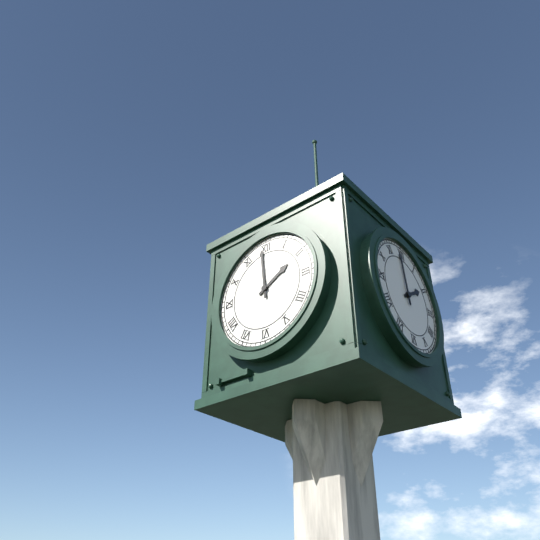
1 h 59 min
